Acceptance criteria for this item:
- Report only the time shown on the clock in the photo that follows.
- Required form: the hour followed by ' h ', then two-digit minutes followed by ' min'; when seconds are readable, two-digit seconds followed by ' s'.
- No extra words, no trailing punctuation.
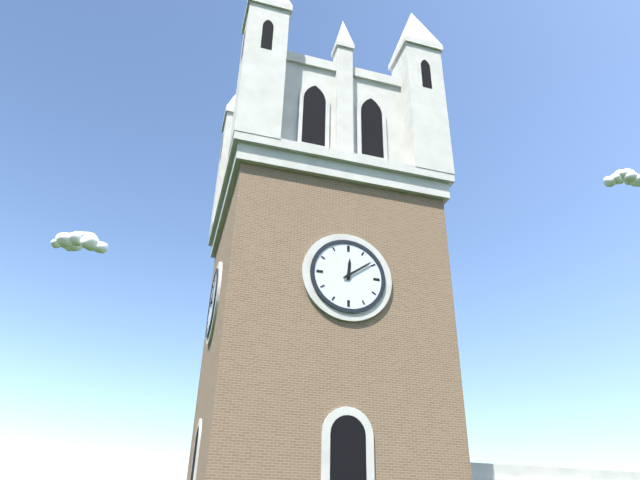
12 h 09 min
